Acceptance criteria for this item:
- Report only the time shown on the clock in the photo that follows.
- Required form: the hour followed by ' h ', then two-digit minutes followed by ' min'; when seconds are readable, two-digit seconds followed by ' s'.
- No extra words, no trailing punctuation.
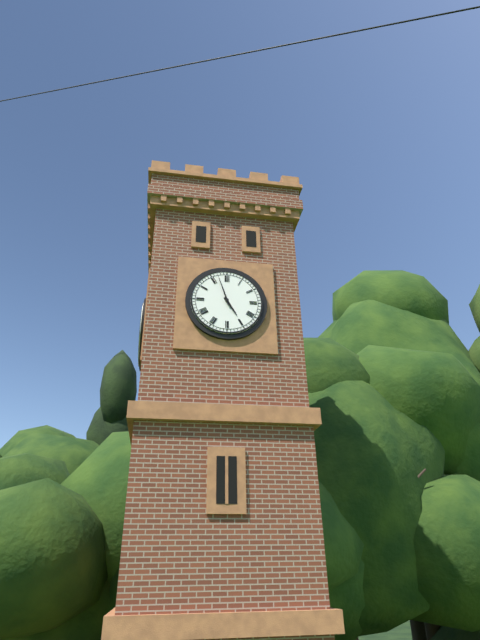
4 h 57 min
